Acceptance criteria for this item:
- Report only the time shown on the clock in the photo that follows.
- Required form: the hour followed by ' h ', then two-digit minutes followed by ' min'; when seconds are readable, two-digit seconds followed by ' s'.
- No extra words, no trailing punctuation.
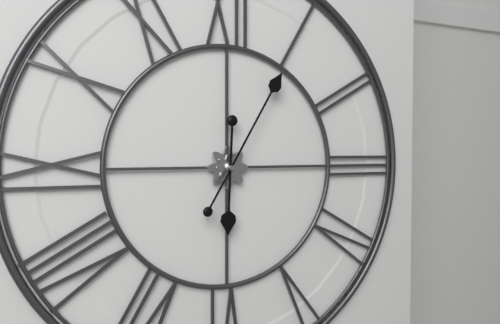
6 h 05 min
